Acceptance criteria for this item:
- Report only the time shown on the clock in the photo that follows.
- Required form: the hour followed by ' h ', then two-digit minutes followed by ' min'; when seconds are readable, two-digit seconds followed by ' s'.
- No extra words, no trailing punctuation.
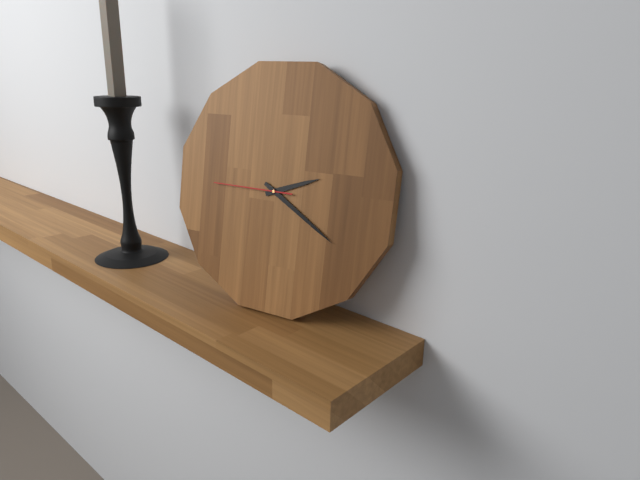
2 h 20 min 45 s
